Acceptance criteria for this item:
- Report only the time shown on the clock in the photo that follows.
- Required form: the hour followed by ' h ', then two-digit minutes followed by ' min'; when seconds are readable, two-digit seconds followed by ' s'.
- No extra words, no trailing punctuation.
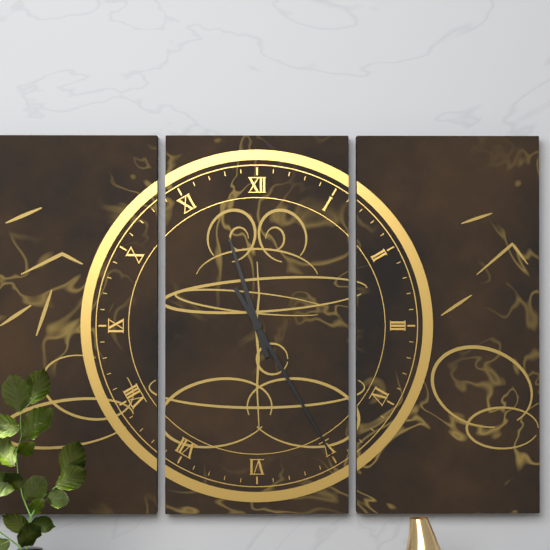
11 h 25 min
